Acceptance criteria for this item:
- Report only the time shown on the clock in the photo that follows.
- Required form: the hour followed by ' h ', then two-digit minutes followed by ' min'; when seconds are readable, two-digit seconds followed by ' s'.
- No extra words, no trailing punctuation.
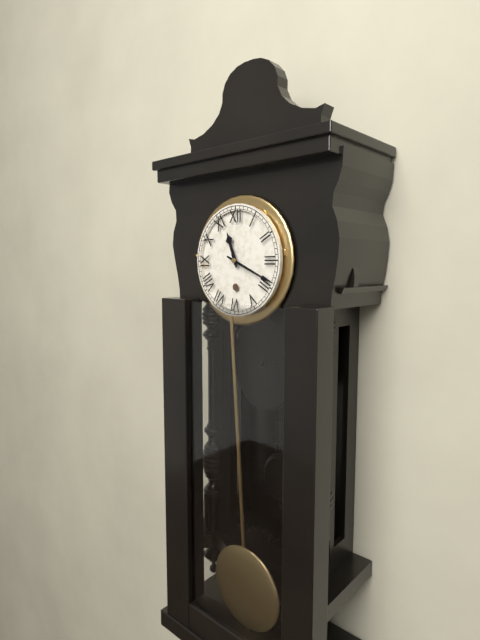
11 h 19 min
